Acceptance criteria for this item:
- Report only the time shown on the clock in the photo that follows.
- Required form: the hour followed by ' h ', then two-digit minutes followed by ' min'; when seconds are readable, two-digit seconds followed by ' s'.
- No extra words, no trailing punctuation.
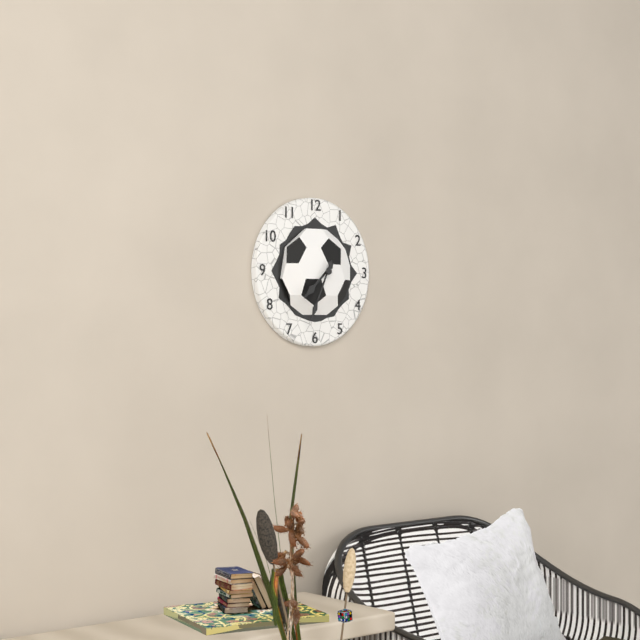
7 h 34 min
